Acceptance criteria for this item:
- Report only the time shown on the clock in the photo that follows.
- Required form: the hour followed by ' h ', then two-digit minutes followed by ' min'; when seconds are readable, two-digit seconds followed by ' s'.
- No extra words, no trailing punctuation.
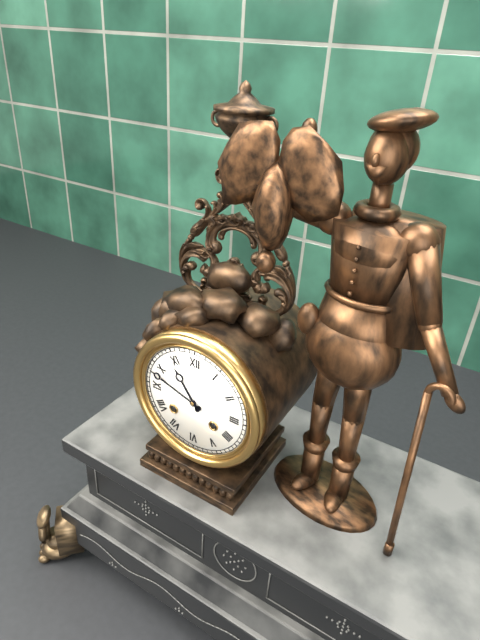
10 h 48 min
